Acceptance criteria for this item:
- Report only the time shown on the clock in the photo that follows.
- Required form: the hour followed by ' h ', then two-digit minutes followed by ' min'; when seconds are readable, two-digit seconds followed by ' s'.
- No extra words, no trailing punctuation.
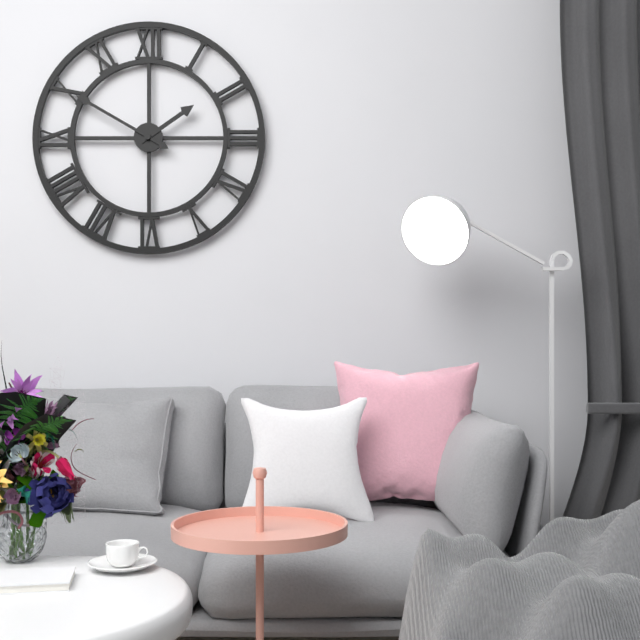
1 h 50 min
